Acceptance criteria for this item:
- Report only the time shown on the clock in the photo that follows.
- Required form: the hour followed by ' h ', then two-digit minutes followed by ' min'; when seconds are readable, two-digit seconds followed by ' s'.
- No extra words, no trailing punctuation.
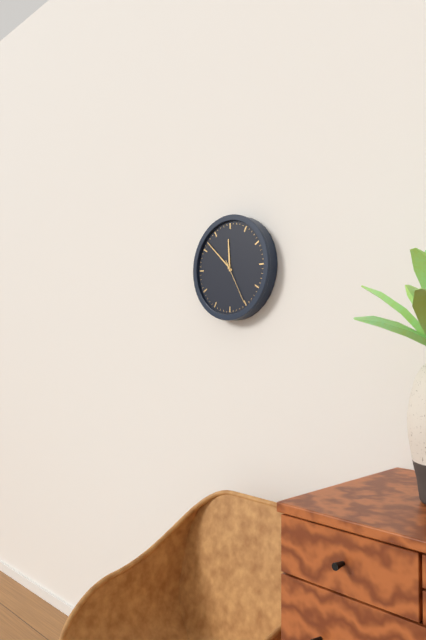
11 h 52 min
